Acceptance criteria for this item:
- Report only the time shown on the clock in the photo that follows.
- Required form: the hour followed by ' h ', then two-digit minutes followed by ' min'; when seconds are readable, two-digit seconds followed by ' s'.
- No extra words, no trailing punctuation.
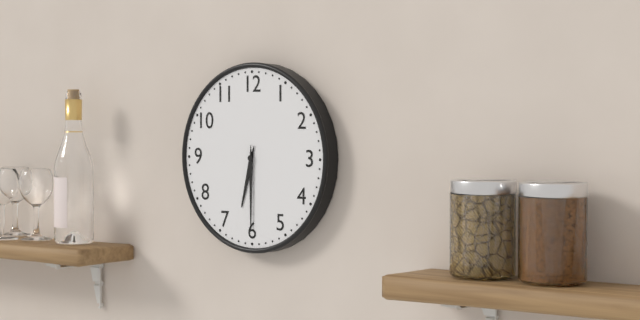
6 h 30 min
